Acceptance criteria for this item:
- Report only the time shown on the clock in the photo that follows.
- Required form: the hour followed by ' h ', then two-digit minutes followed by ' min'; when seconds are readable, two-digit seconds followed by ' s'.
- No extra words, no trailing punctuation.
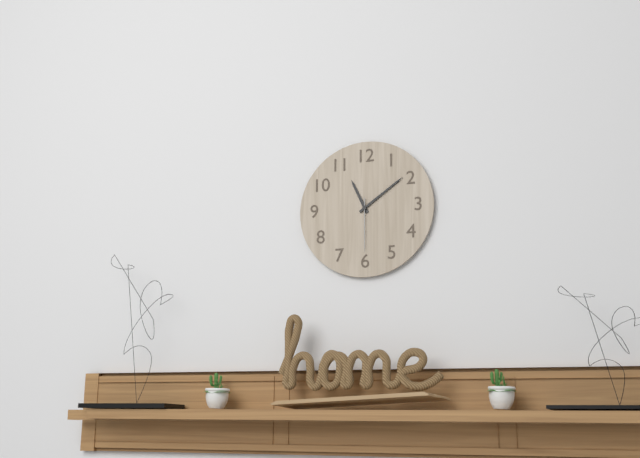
11 h 09 min 30 s
